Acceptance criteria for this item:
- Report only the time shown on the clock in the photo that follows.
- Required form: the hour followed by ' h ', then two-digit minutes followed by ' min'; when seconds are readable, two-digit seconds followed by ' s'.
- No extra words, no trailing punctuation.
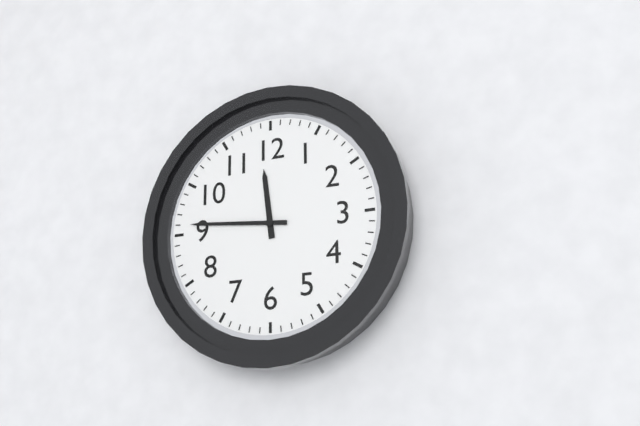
11 h 46 min
